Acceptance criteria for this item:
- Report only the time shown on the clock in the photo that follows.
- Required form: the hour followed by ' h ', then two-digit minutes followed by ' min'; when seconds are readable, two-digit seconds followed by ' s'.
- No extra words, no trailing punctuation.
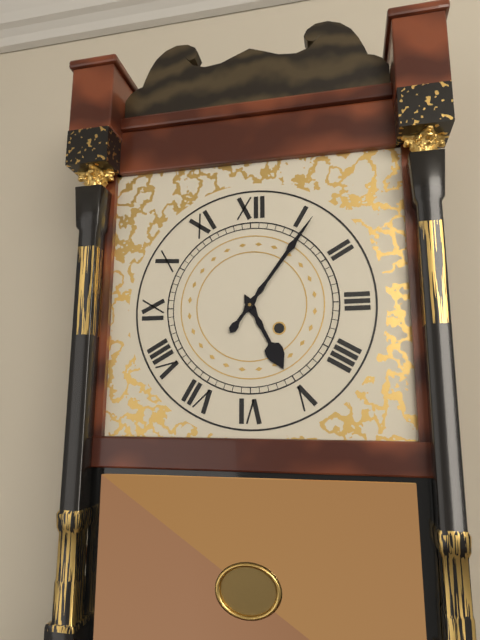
5 h 06 min
